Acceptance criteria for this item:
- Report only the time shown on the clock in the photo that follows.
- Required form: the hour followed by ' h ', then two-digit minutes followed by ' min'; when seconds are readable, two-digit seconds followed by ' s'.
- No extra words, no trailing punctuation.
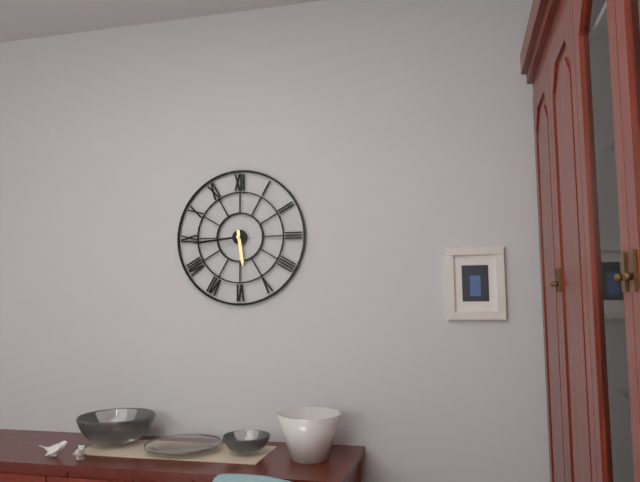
5 h 44 min
